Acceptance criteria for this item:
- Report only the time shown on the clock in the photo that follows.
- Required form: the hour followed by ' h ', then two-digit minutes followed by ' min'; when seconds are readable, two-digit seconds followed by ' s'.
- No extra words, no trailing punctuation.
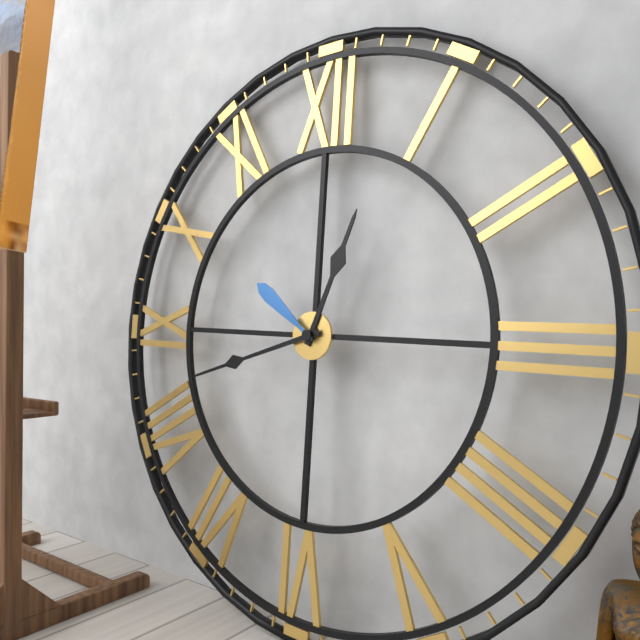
12 h 42 min 51 s
